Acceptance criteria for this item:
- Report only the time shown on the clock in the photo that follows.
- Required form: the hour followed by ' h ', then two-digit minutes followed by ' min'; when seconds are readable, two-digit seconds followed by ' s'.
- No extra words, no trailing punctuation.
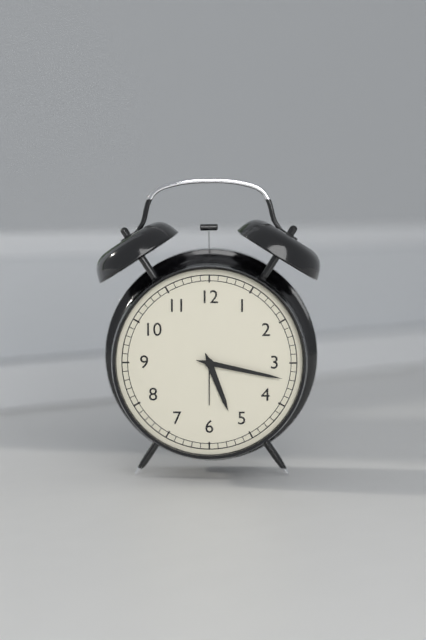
5 h 17 min
